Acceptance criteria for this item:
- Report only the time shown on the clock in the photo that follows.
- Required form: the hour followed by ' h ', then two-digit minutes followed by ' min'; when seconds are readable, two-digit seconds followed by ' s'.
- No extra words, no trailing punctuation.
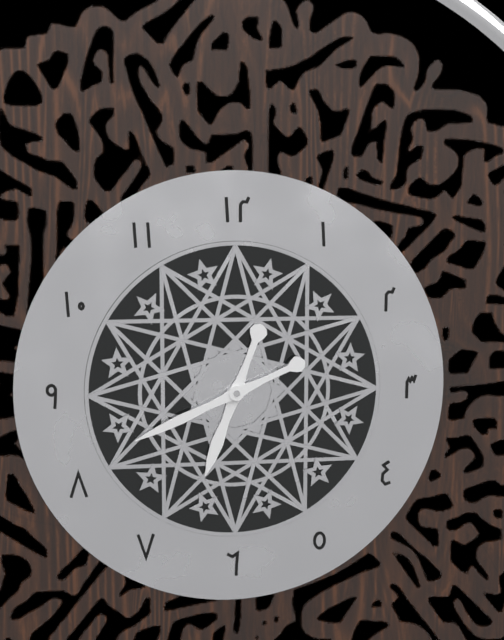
6 h 41 min
